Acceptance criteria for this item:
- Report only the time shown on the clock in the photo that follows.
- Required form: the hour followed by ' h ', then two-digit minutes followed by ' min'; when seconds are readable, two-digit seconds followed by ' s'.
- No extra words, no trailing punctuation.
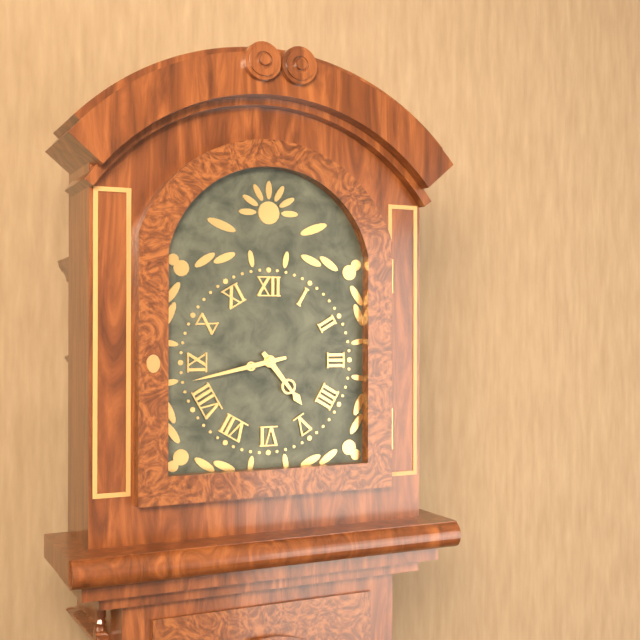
4 h 43 min
